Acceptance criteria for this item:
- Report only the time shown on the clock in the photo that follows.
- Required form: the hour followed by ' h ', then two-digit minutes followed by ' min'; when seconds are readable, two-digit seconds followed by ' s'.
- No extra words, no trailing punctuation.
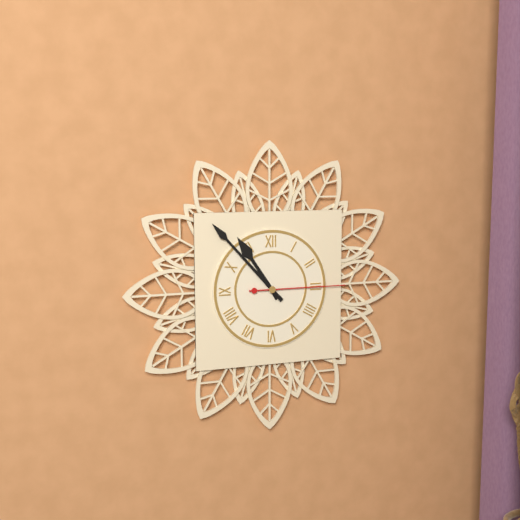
10 h 53 min 15 s
